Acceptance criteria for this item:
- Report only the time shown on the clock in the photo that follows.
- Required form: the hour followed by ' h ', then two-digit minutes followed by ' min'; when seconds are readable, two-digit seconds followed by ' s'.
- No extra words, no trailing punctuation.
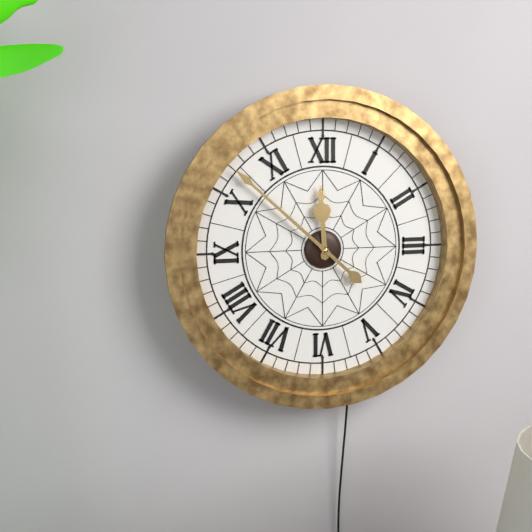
11 h 52 min
